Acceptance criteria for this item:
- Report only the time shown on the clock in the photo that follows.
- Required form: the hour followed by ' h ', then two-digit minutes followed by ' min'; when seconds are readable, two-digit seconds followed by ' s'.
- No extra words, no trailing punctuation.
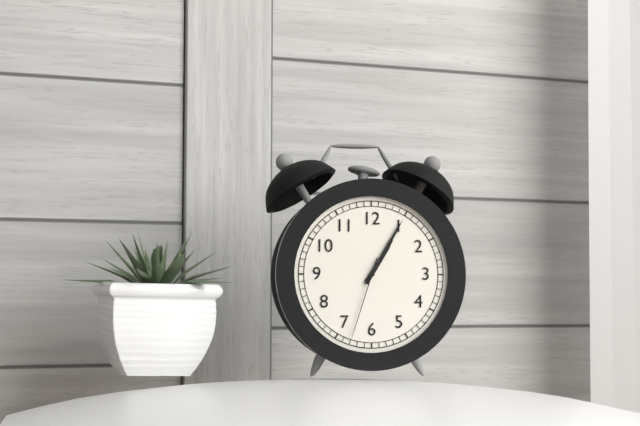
1 h 05 min 33 s
